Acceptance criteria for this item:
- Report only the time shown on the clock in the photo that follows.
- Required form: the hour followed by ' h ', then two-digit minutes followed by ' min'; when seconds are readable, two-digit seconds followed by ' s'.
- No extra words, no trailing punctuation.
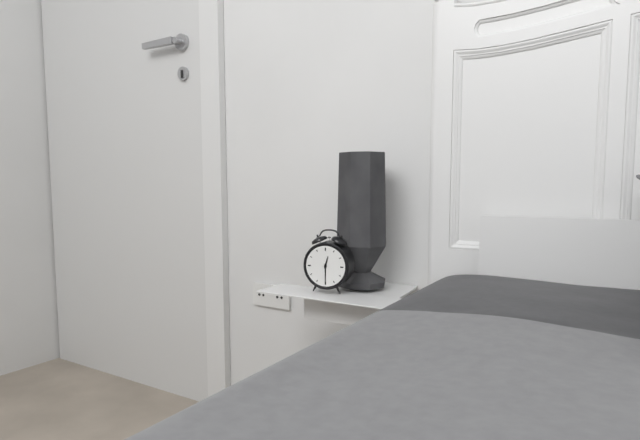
12 h 30 min
